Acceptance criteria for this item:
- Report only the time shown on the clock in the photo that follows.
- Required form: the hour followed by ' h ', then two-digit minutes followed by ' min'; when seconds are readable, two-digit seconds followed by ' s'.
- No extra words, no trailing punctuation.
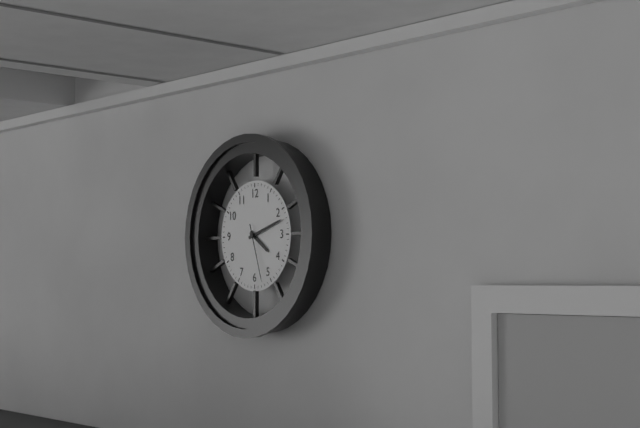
4 h 12 min 27 s
